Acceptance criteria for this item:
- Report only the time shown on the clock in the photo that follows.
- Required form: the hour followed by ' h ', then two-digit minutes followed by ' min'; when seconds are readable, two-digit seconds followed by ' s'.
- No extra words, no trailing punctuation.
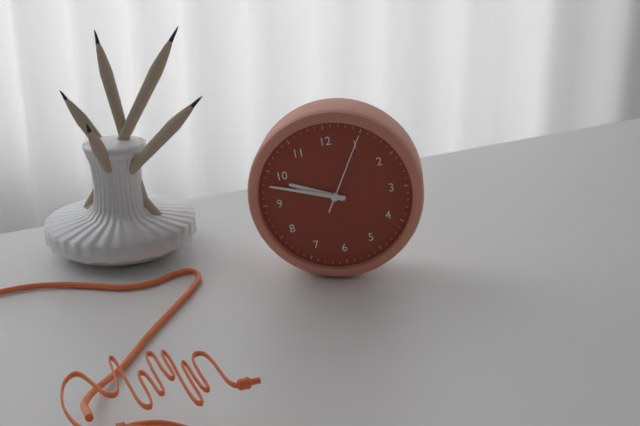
9 h 48 min 05 s
